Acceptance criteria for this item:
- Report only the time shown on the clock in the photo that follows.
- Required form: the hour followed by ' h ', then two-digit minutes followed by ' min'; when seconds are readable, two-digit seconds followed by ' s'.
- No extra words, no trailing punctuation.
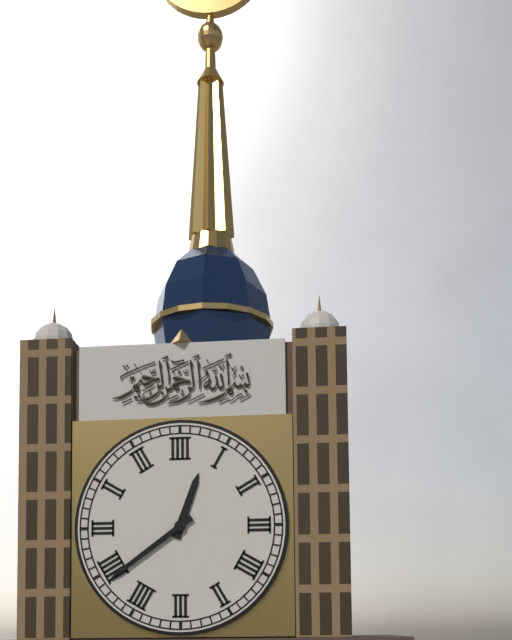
12 h 39 min
